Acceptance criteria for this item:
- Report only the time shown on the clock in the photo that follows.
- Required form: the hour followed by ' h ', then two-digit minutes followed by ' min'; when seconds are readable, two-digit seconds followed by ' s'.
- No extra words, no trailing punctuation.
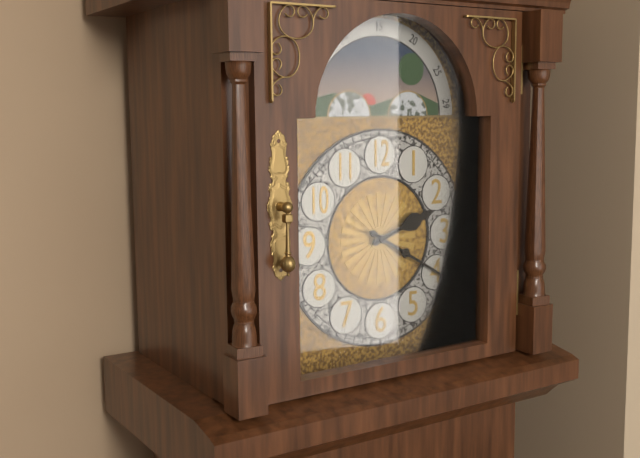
2 h 20 min
